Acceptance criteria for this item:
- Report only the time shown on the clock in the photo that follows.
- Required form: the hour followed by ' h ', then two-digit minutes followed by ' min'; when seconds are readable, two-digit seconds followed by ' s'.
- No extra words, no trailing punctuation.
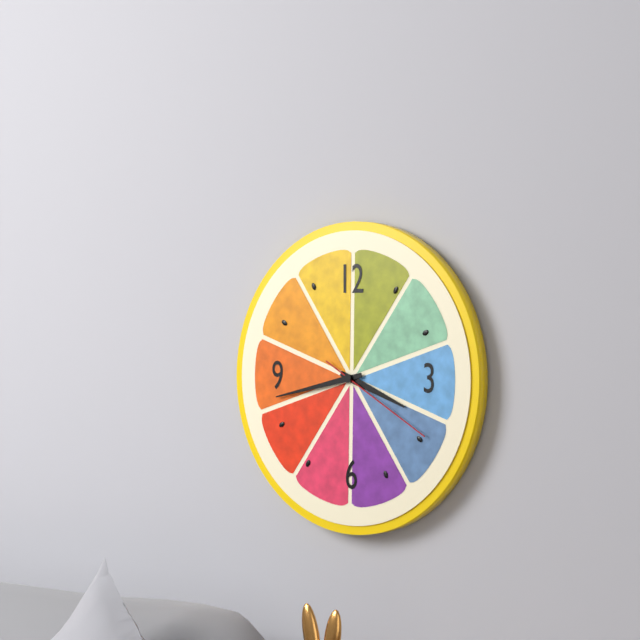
3 h 43 min 20 s
